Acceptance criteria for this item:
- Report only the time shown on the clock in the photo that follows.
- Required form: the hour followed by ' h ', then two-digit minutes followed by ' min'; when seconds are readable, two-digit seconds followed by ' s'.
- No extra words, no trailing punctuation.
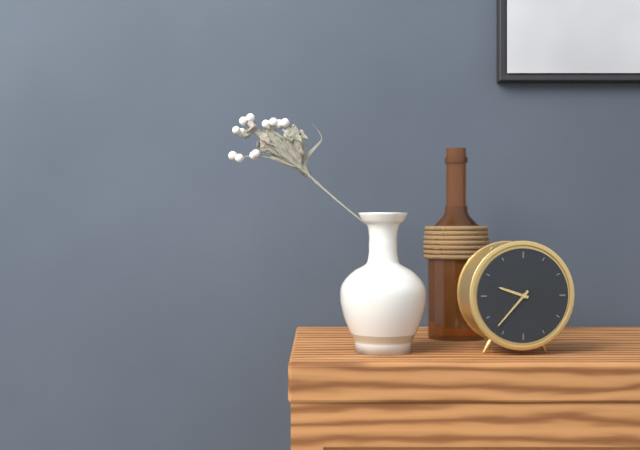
9 h 37 min
